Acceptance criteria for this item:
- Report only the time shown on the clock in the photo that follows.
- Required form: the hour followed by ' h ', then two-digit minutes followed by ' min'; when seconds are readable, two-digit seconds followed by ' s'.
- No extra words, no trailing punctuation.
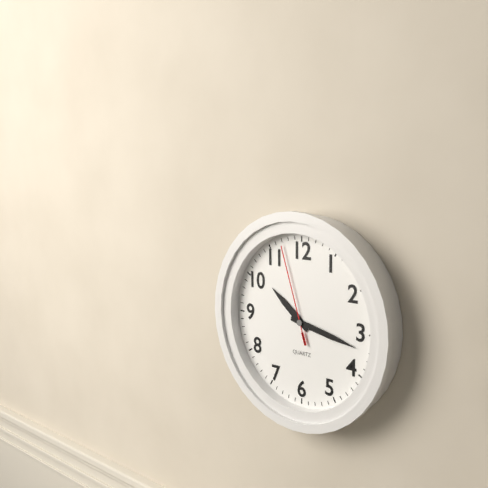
10 h 17 min 57 s
